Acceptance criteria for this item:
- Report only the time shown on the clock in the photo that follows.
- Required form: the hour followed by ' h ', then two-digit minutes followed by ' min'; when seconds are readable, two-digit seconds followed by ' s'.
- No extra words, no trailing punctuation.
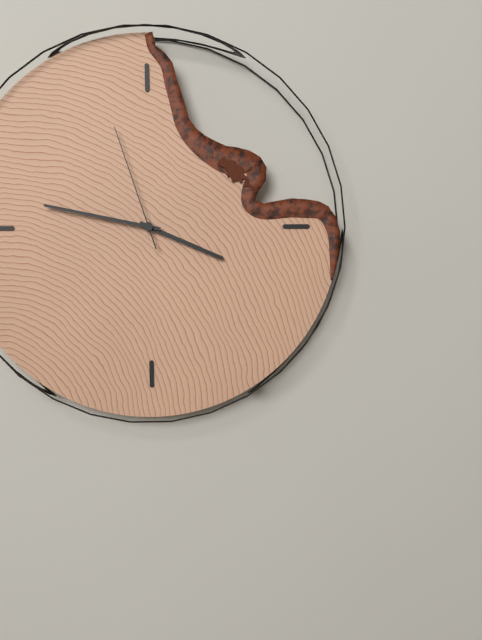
3 h 47 min 57 s
